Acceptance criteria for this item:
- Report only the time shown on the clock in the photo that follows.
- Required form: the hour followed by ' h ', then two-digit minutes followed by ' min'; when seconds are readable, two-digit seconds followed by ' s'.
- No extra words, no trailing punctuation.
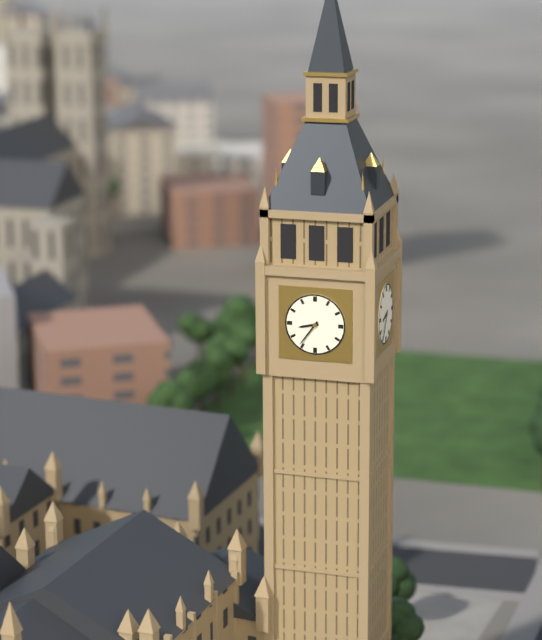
8 h 36 min
